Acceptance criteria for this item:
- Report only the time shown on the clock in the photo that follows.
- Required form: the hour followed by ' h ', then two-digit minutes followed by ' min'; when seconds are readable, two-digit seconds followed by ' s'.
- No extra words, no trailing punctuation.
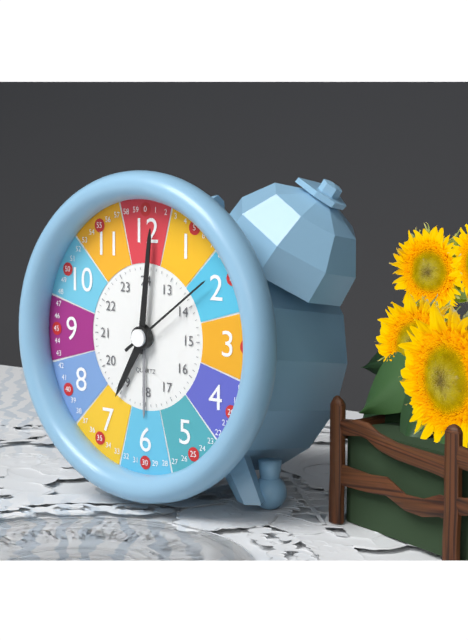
7 h 01 min 09 s
